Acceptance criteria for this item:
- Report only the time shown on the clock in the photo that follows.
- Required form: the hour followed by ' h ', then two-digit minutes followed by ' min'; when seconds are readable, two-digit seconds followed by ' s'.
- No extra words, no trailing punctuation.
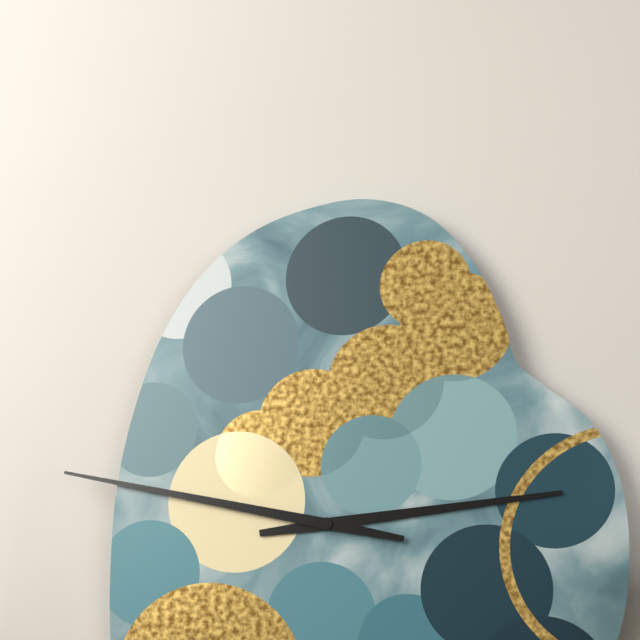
2 h 47 min
